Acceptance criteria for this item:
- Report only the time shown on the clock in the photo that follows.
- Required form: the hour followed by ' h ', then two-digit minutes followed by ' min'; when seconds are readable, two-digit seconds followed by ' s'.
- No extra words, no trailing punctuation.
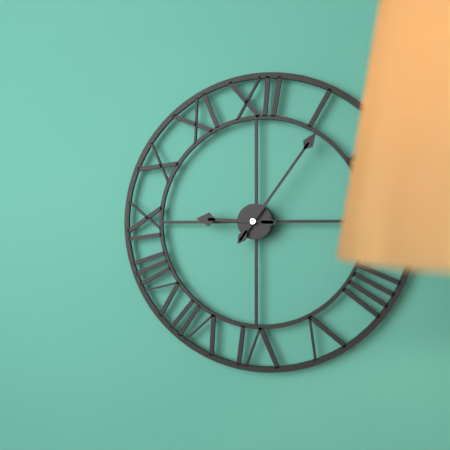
9 h 06 min
